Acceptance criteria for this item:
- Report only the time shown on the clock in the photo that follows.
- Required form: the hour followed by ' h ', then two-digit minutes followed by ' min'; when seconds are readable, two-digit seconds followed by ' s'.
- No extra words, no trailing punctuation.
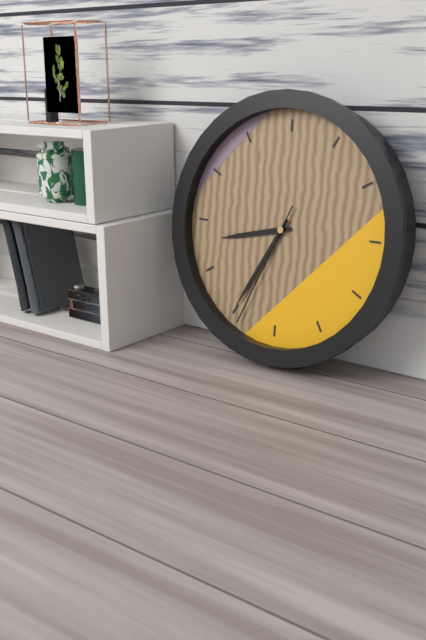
8 h 35 min 34 s
